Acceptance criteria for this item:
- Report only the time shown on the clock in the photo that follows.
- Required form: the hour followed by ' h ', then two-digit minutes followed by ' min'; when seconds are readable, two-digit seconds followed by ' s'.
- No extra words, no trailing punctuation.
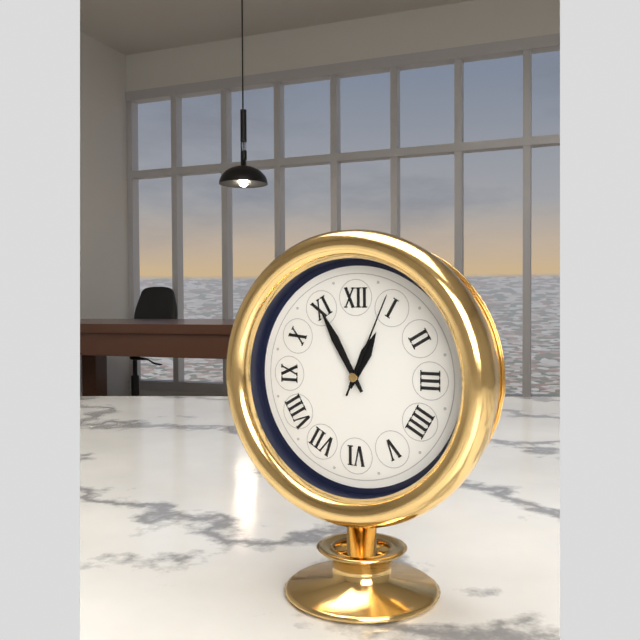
12 h 55 min 04 s
